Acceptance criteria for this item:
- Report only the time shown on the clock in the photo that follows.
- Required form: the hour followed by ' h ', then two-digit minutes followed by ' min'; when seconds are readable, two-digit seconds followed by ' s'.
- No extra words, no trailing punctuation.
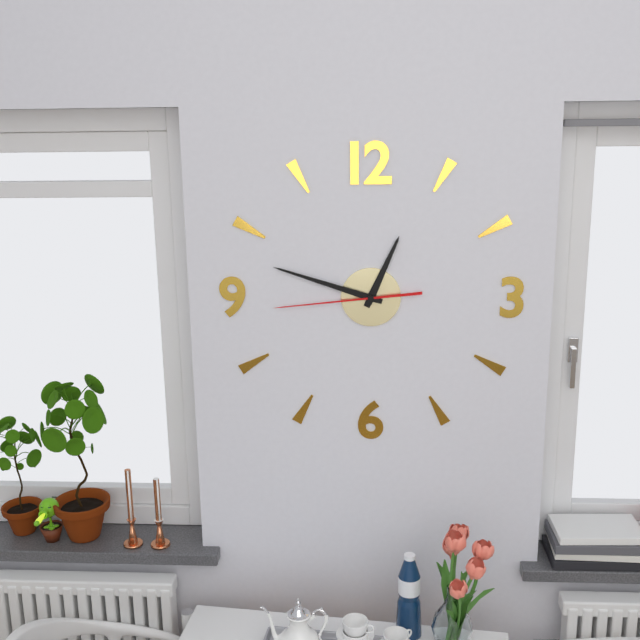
12 h 48 min 44 s
